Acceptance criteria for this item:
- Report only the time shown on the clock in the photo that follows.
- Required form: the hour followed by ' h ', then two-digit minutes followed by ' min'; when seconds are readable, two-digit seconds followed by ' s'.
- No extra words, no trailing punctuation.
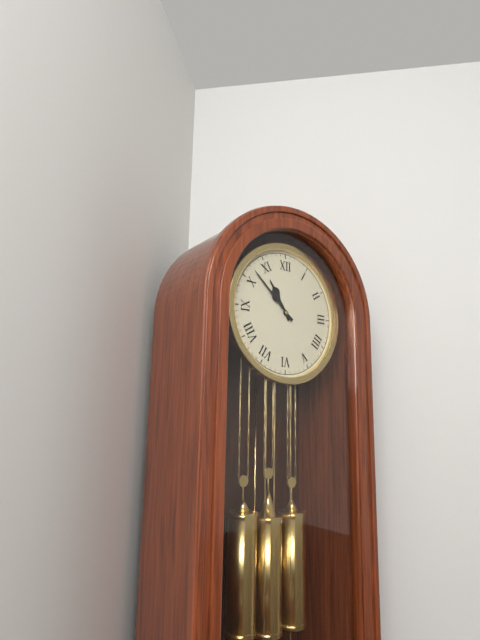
10 h 52 min
